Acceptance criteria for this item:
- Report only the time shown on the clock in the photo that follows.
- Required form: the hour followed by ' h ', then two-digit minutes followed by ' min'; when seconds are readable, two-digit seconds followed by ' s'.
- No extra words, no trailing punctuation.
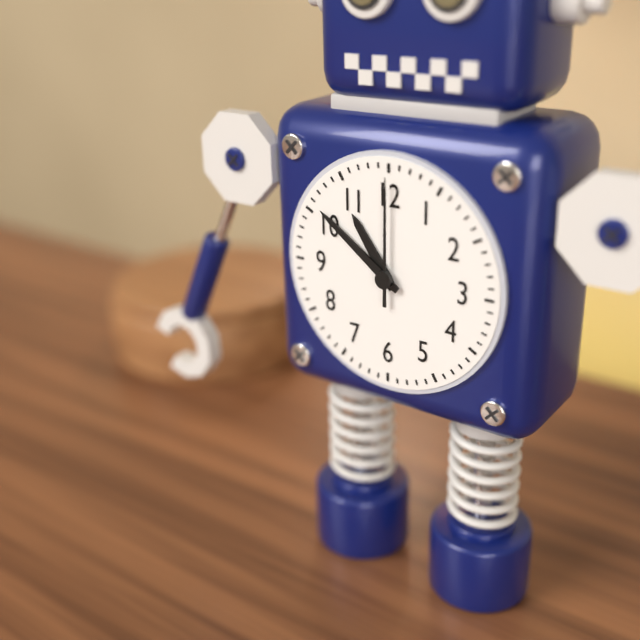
10 h 51 min 00 s
